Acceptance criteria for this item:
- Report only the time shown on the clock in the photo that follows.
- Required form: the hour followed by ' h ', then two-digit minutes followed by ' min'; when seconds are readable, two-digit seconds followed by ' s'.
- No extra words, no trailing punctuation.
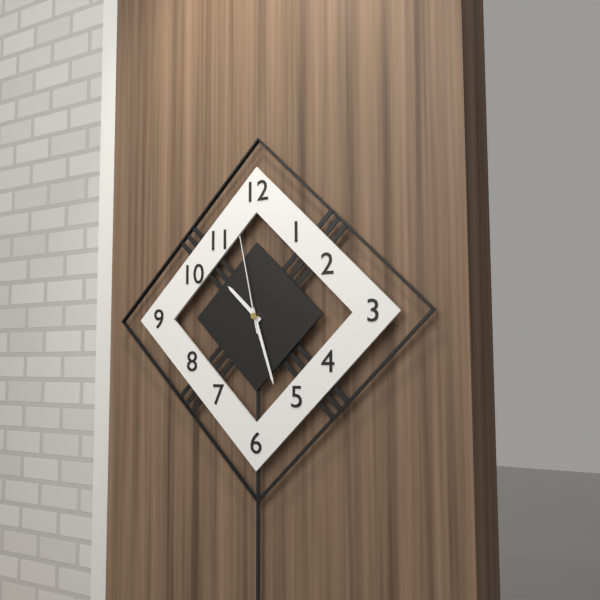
10 h 27 min 58 s
